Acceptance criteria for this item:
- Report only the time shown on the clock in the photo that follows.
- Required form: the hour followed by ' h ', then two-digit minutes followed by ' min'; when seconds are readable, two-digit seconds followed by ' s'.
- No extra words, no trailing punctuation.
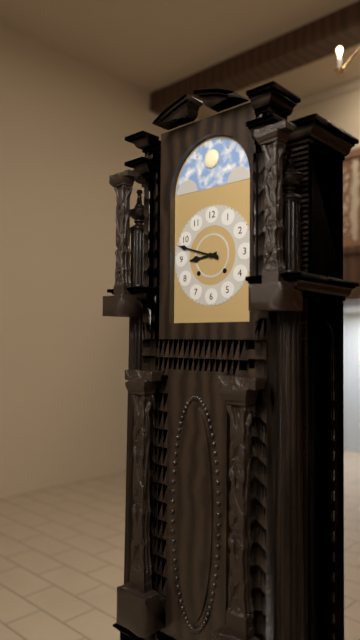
8 h 48 min
